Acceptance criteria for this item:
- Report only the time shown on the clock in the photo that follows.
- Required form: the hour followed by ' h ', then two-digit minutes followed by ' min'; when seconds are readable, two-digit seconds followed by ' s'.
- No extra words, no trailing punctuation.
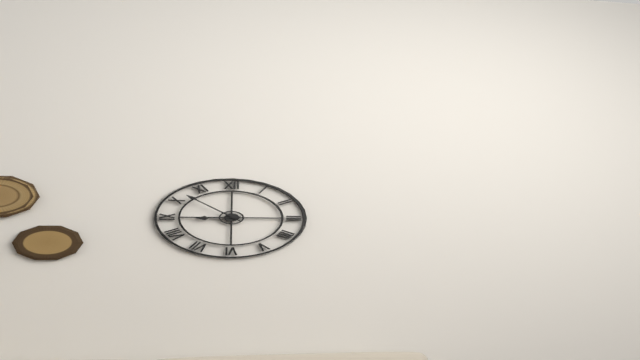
8 h 52 min
